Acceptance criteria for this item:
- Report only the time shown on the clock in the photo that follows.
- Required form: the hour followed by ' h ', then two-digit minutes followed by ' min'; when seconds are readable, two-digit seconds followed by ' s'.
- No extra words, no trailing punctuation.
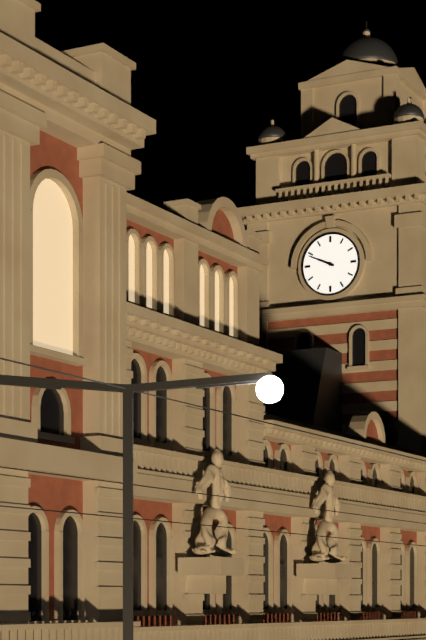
9 h 49 min
